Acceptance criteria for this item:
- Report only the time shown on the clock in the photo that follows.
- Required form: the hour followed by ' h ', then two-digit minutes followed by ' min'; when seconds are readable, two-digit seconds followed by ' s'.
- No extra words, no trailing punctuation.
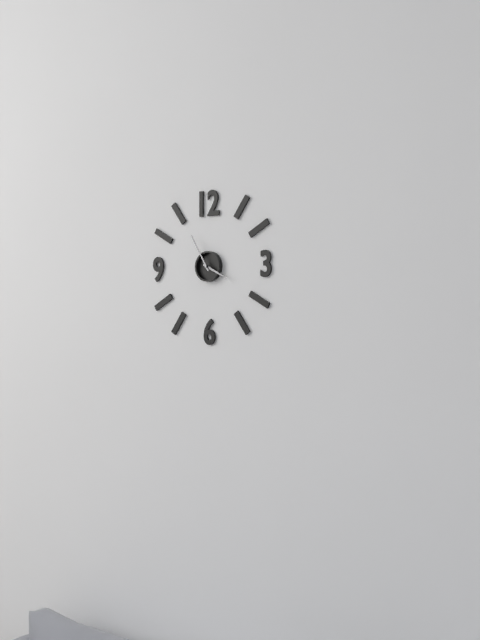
3 h 55 min
